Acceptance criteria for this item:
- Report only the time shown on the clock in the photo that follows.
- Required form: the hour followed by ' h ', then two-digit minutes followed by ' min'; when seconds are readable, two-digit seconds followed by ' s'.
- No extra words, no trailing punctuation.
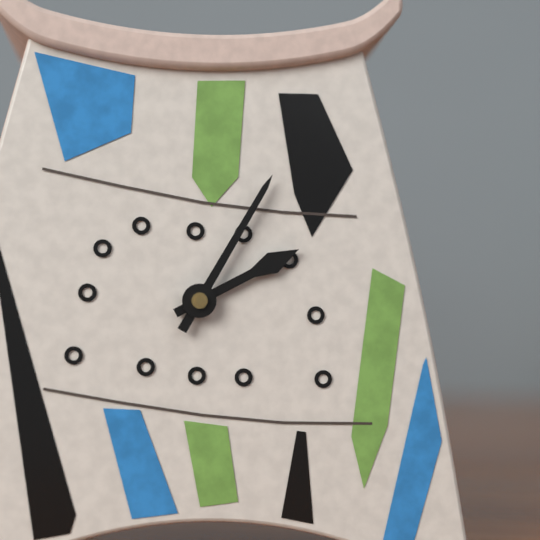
2 h 05 min
